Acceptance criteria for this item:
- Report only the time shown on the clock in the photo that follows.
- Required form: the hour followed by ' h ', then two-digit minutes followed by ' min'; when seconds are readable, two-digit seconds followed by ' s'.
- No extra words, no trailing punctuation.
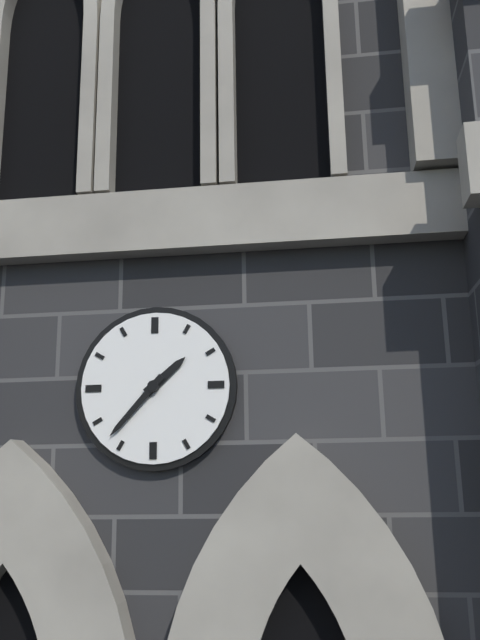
1 h 37 min
